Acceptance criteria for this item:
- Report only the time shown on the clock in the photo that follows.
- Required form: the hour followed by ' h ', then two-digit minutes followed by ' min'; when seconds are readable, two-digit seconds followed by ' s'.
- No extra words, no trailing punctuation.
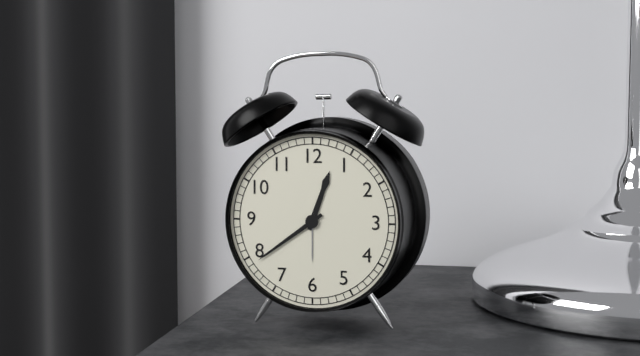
12 h 39 min
